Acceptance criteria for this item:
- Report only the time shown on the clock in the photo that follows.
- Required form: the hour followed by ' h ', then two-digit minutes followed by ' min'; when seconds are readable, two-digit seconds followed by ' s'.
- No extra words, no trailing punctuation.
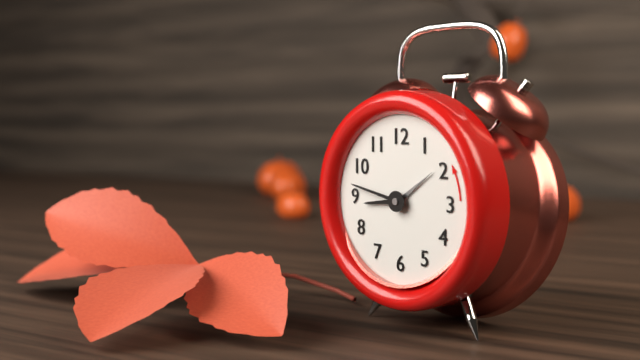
8 h 47 min 09 s
